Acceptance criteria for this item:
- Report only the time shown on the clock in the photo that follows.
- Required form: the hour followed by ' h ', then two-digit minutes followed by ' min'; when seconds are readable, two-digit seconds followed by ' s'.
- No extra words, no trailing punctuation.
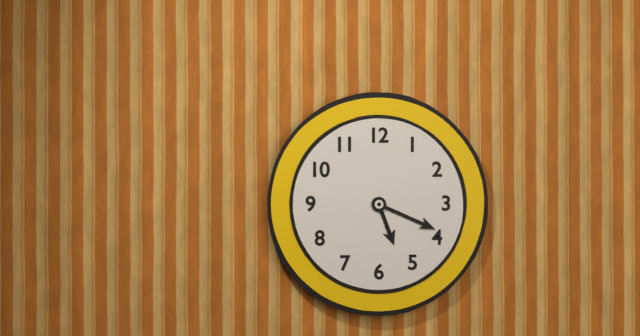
5 h 19 min
